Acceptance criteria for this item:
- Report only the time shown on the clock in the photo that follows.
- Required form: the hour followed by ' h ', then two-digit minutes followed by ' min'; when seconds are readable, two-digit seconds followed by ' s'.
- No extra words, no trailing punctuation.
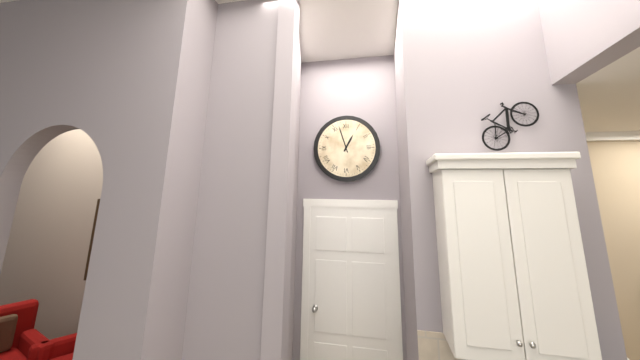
12 h 57 min
